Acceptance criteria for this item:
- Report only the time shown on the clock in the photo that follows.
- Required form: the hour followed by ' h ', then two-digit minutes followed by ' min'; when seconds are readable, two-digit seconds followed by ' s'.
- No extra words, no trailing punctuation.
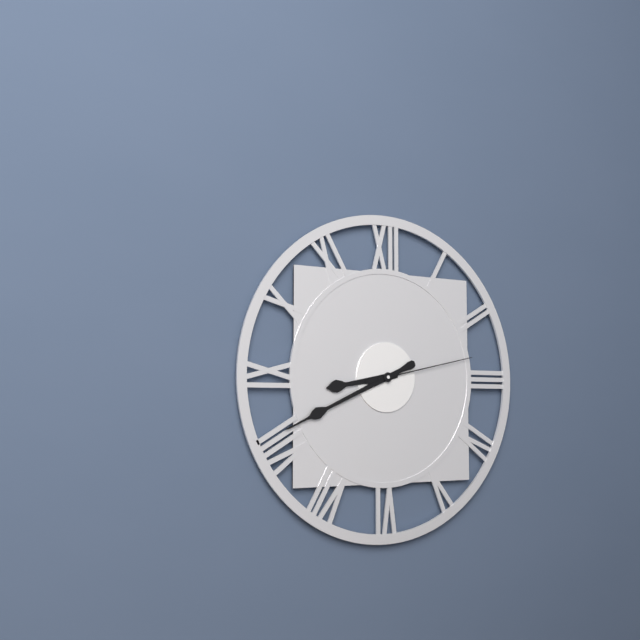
8 h 41 min 13 s
